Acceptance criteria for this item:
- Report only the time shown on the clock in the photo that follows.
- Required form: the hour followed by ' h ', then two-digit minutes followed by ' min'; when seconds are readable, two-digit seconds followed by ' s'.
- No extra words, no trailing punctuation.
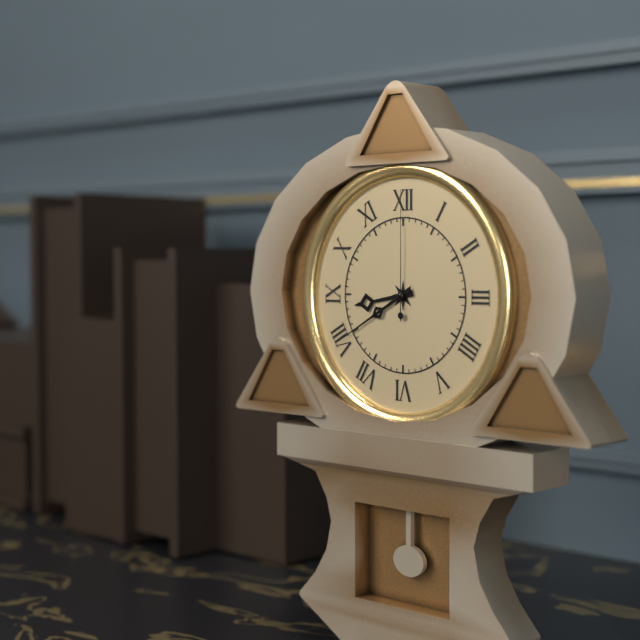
8 h 40 min 00 s
